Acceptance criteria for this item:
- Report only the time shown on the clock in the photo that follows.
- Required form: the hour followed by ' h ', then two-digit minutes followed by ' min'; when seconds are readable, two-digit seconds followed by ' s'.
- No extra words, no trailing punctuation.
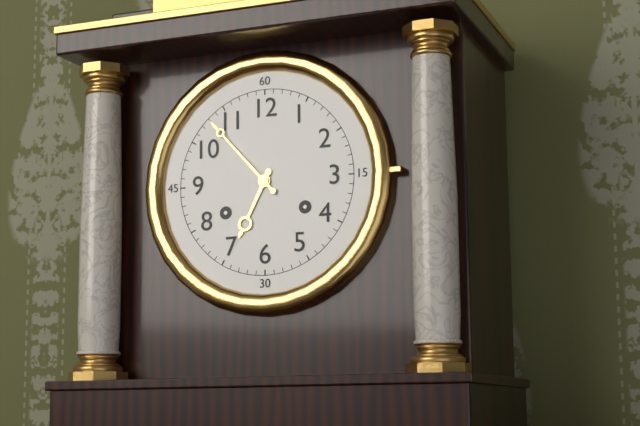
6 h 53 min
